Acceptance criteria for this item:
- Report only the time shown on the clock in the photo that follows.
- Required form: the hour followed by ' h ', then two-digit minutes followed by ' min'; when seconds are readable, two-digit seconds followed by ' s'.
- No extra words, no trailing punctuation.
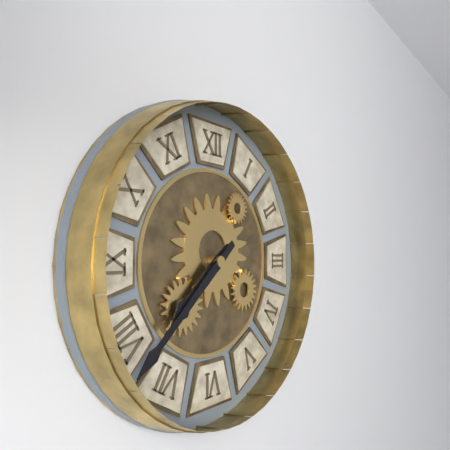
7 h 38 min
